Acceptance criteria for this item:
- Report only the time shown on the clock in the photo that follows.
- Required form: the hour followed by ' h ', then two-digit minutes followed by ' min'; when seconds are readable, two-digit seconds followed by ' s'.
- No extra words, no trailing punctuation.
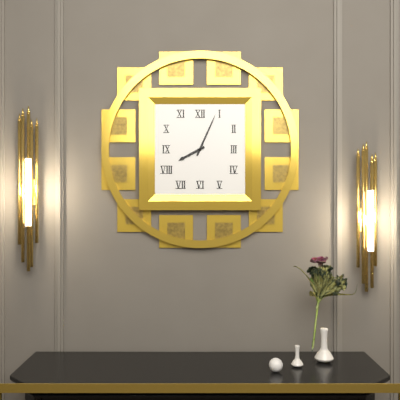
8 h 04 min
